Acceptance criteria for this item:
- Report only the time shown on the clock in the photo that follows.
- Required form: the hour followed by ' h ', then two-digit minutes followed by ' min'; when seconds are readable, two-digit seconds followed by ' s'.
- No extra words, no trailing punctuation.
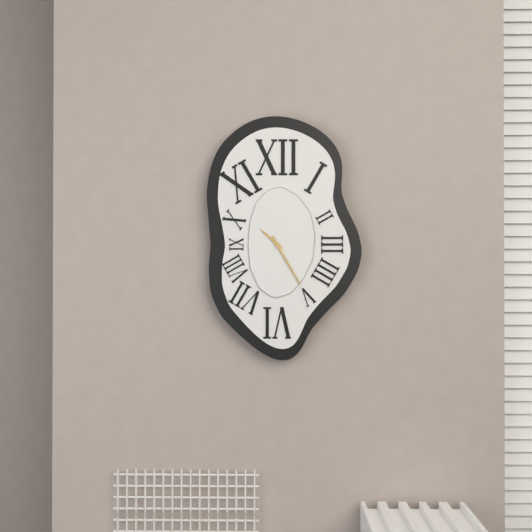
10 h 25 min
